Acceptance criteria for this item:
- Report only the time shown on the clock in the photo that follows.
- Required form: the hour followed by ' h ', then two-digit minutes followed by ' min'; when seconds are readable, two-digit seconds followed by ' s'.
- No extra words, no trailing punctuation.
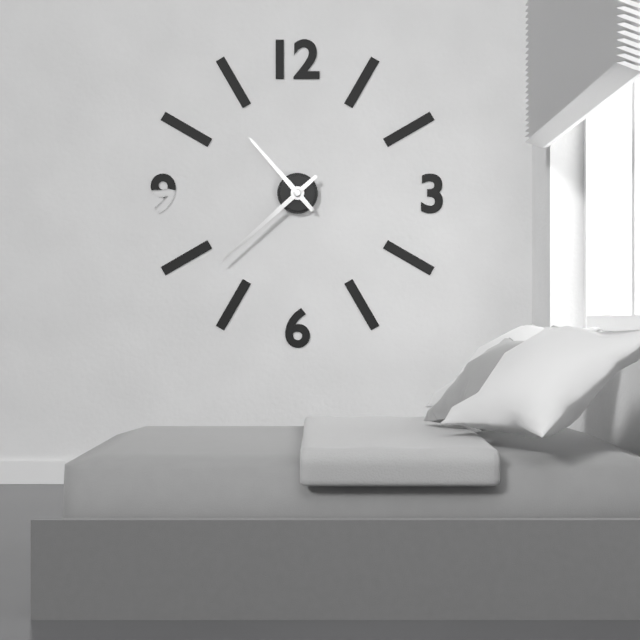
10 h 38 min
